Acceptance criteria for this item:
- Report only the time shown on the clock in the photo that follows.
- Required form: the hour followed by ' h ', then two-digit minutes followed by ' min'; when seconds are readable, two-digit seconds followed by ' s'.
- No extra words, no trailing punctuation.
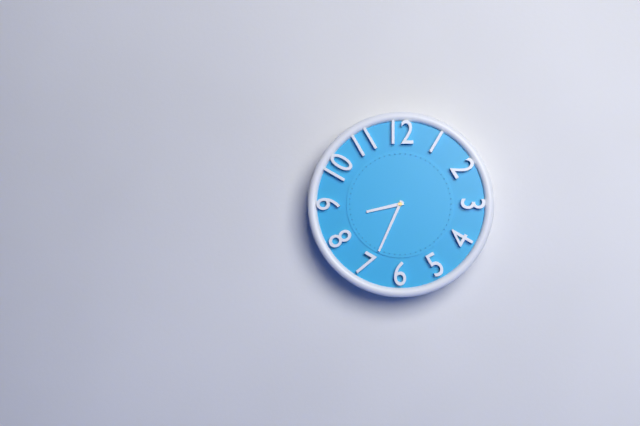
8 h 34 min
